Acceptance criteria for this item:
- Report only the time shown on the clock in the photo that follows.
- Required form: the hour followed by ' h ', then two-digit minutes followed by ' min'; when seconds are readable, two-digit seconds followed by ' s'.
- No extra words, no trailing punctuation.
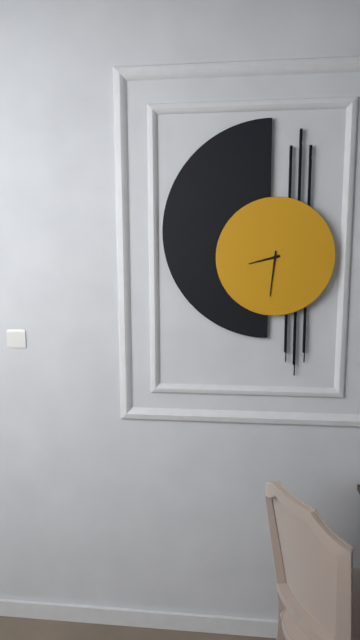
8 h 31 min
